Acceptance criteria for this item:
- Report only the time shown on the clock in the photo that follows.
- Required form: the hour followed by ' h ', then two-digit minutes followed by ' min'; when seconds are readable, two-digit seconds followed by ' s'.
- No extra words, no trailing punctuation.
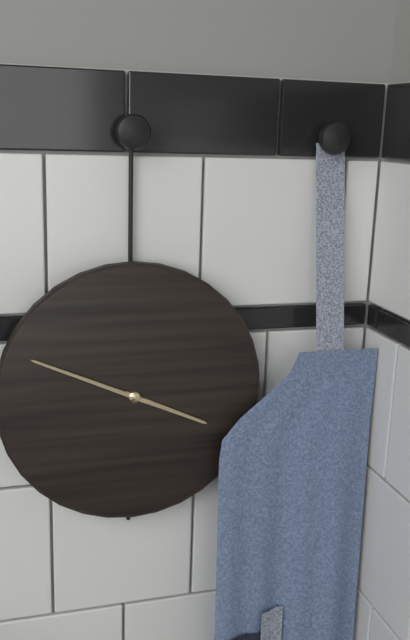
3 h 49 min
